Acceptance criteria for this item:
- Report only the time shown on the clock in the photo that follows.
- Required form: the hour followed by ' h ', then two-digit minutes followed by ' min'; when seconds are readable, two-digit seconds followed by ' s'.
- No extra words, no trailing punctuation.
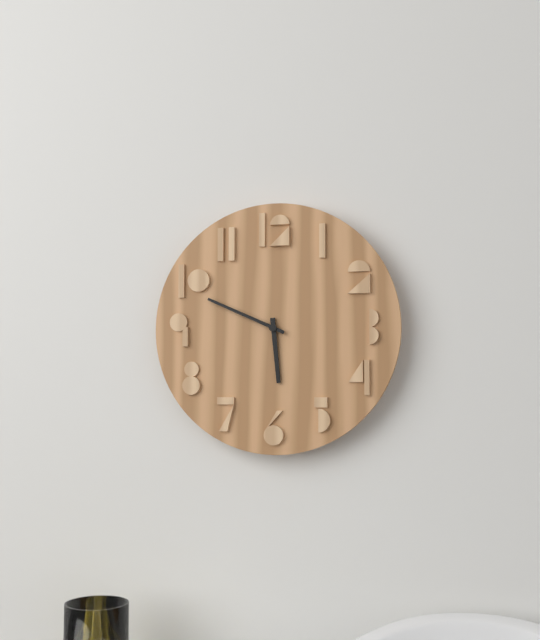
5 h 49 min
